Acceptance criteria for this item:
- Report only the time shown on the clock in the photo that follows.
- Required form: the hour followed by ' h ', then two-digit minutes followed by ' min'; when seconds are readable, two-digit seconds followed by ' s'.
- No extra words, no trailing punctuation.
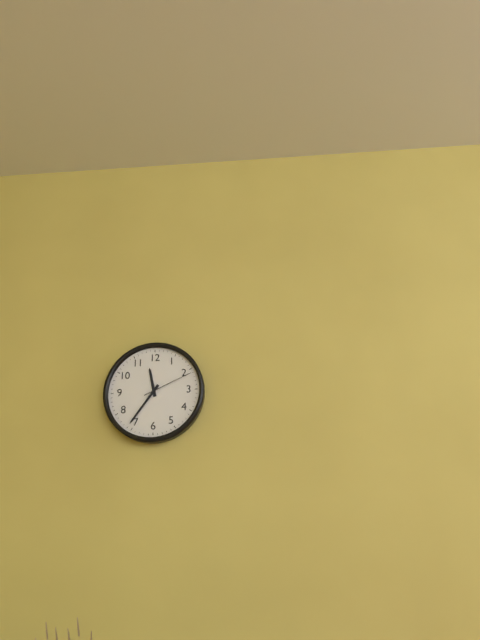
11 h 36 min 11 s
